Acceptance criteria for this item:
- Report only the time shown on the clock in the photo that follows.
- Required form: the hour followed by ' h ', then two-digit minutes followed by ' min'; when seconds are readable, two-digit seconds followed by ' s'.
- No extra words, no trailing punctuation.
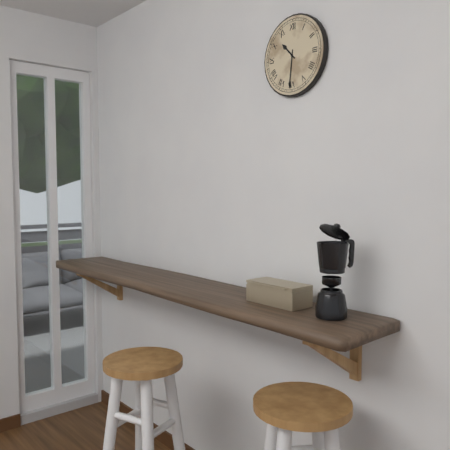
10 h 31 min
